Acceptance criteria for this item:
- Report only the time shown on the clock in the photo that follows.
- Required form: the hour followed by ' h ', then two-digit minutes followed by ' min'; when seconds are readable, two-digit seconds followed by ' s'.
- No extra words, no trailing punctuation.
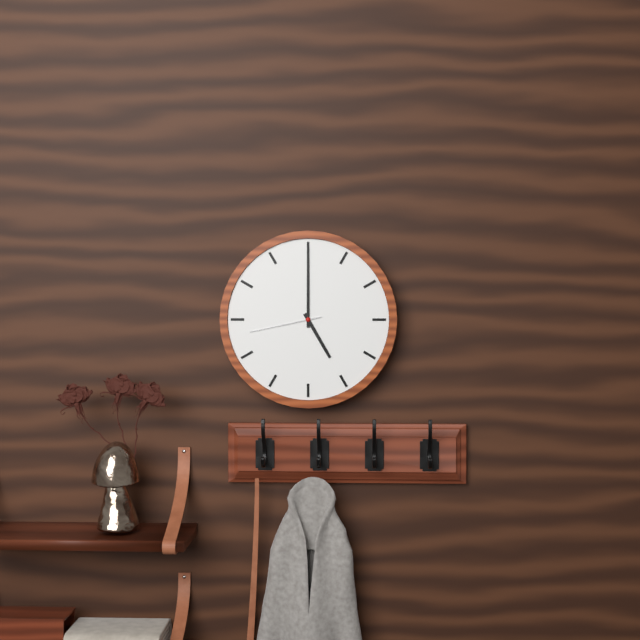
5 h 00 min 43 s
